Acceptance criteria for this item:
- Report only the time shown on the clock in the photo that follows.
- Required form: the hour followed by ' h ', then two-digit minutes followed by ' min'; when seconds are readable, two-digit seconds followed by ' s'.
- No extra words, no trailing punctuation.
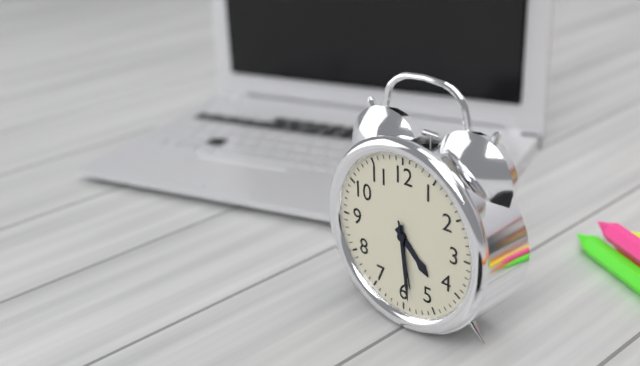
4 h 29 min 28 s
